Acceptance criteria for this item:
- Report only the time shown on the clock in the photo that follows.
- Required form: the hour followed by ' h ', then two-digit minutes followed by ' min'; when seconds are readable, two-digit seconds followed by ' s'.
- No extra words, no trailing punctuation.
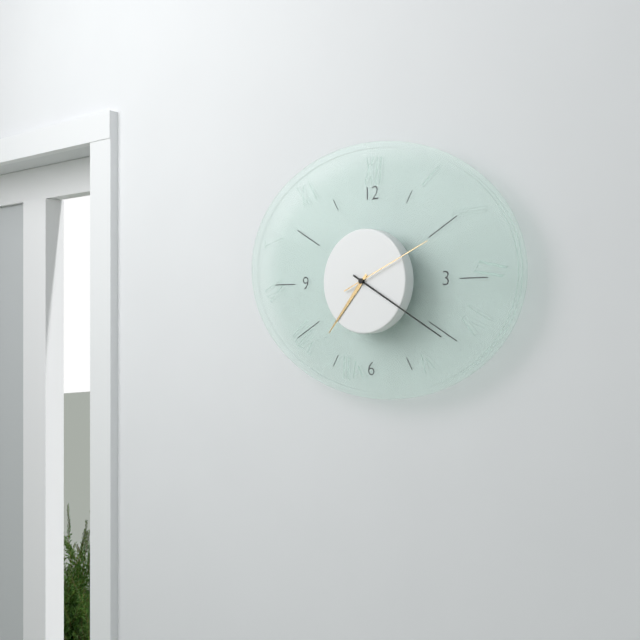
7 h 20 min 11 s
